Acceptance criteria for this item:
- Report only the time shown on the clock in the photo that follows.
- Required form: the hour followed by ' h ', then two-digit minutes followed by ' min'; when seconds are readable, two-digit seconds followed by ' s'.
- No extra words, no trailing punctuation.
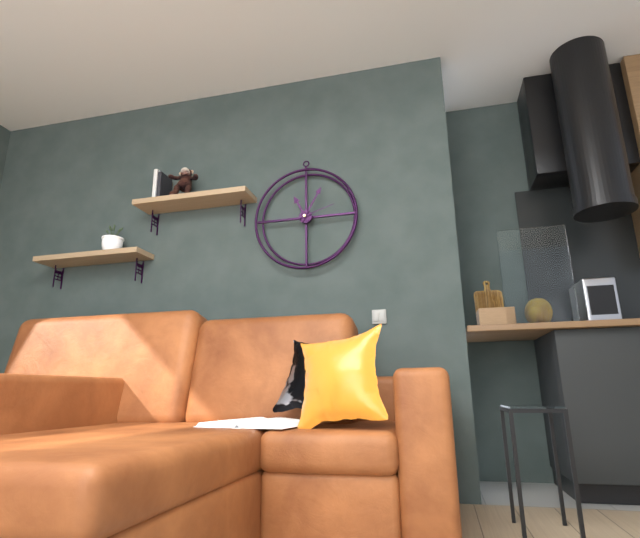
11 h 05 min
